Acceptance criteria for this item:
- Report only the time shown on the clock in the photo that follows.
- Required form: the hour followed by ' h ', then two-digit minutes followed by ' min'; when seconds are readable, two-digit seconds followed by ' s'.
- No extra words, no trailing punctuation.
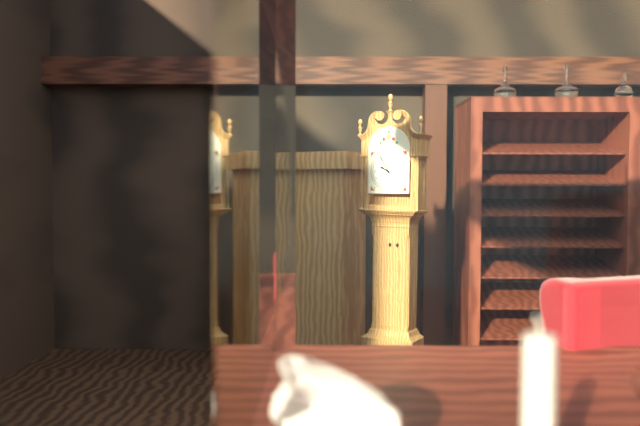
9 h 55 min
